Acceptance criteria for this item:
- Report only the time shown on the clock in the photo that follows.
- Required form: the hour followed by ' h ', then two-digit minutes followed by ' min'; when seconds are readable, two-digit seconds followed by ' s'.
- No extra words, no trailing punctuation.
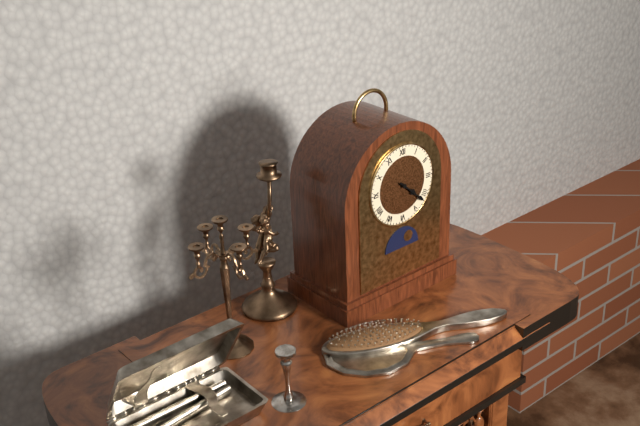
4 h 22 min
